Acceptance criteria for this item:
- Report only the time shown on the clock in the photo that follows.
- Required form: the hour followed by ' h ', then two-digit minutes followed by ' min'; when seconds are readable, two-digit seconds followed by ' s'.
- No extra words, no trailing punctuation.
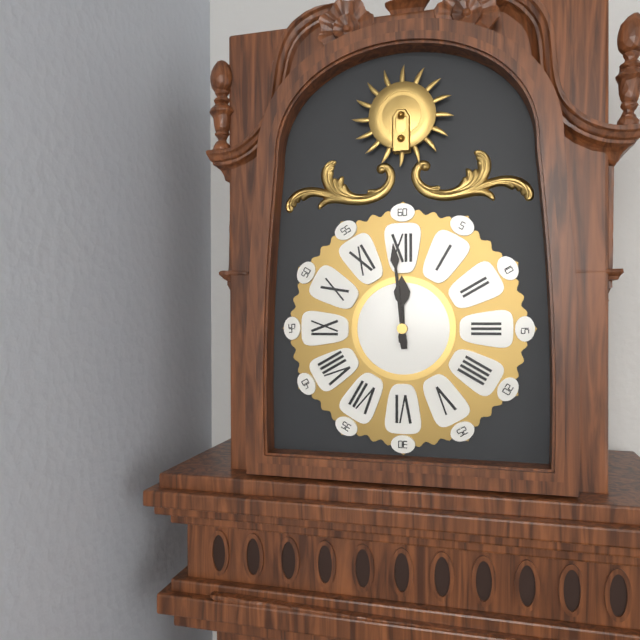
11 h 59 min
